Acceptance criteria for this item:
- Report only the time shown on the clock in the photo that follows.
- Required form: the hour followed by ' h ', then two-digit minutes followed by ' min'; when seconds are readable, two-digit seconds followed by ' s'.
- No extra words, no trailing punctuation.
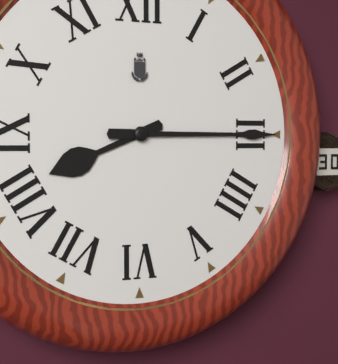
8 h 15 min
